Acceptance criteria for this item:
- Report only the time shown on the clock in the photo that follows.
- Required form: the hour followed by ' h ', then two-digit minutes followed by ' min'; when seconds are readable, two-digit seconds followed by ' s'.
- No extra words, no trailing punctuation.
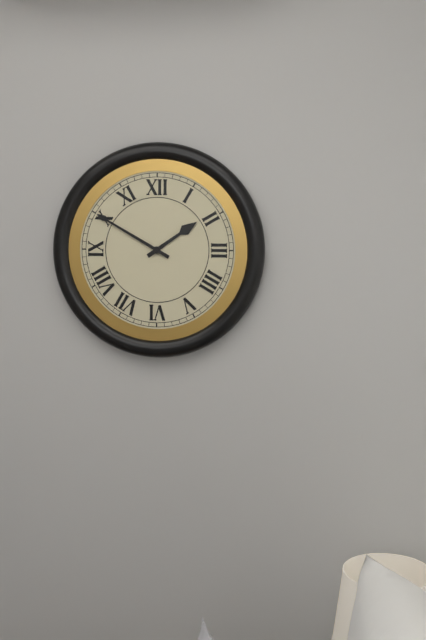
1 h 50 min
